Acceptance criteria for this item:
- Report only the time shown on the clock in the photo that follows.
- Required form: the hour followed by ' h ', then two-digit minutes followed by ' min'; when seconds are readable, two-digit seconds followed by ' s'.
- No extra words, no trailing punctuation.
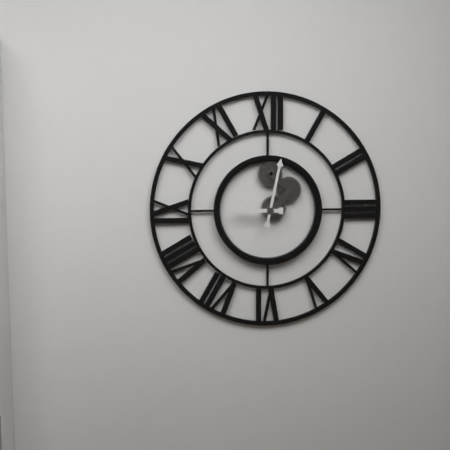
9 h 02 min
